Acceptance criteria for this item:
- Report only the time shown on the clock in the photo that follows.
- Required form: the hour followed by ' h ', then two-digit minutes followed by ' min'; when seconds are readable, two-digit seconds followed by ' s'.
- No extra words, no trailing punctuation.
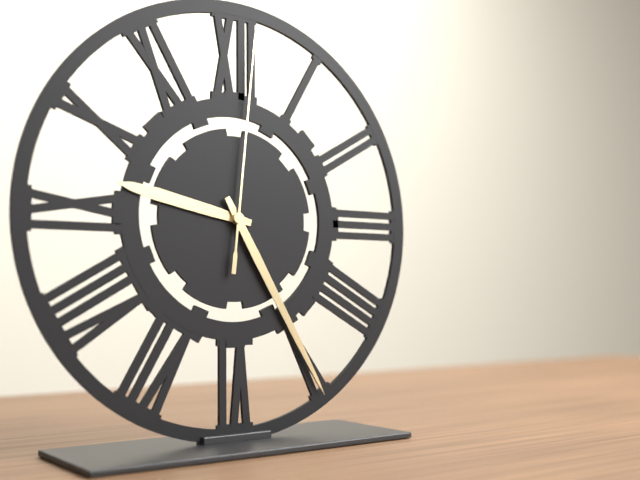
9 h 25 min 01 s
